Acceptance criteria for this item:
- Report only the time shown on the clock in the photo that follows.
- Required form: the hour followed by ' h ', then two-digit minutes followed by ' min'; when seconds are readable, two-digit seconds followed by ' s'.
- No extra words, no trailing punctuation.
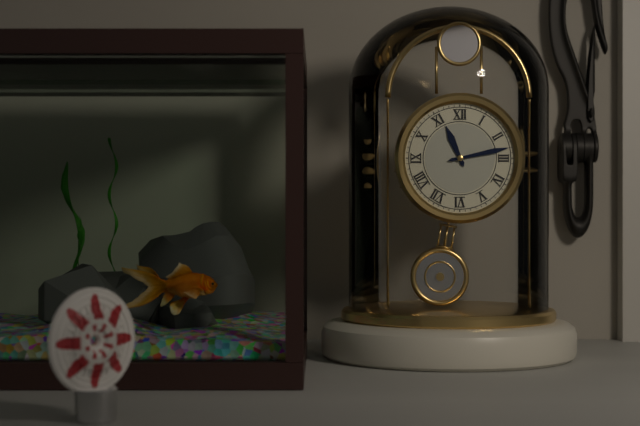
11 h 13 min
